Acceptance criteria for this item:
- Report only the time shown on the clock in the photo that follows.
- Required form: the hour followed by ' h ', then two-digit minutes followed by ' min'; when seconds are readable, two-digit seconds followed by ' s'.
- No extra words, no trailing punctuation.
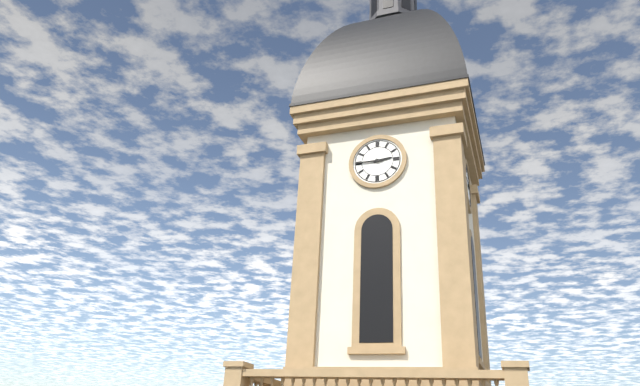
2 h 45 min
